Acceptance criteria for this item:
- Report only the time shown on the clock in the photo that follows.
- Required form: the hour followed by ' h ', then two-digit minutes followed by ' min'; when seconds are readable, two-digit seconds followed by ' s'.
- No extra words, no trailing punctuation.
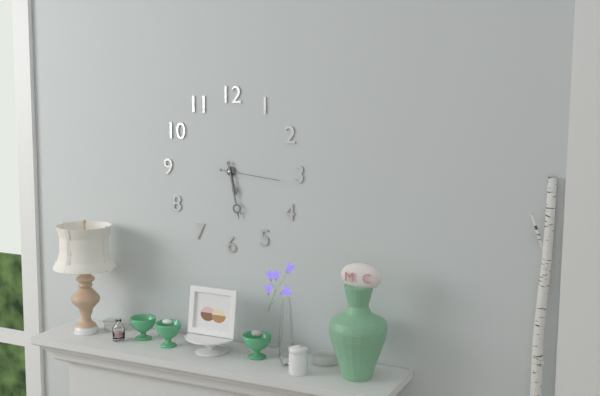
5 h 28 min 16 s
